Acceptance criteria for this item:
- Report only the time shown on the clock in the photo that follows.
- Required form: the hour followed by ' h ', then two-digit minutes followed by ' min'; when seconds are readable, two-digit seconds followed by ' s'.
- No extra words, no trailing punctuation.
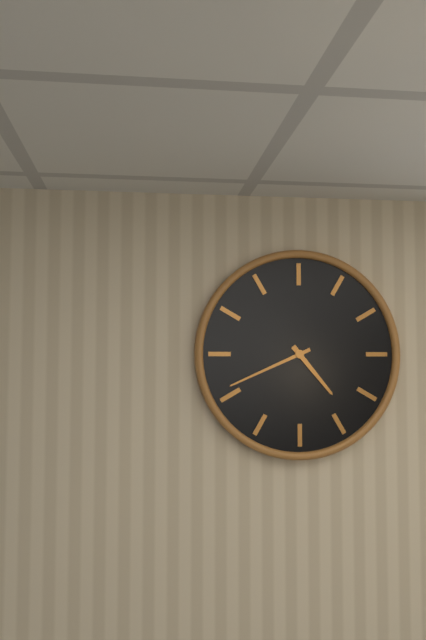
4 h 41 min
